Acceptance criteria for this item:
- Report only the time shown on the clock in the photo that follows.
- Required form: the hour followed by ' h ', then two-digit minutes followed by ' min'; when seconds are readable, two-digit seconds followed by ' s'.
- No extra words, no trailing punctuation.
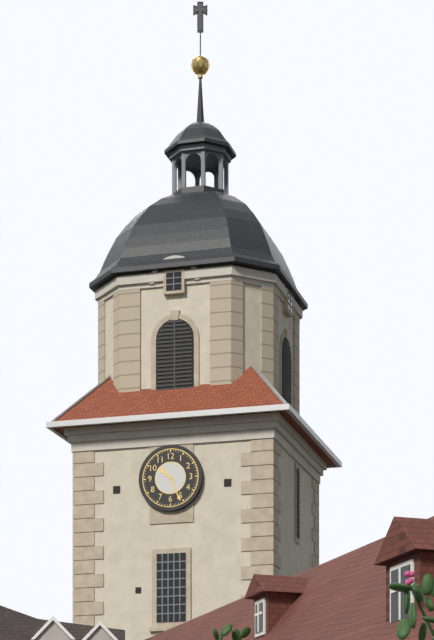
10 h 26 min
